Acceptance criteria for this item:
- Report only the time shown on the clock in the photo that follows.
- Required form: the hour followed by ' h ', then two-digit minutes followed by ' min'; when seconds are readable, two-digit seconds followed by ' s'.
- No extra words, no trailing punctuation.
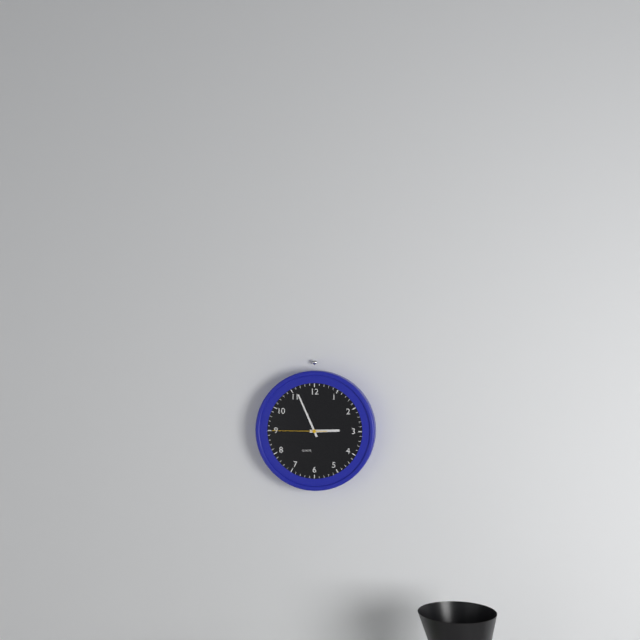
2 h 56 min 45 s
